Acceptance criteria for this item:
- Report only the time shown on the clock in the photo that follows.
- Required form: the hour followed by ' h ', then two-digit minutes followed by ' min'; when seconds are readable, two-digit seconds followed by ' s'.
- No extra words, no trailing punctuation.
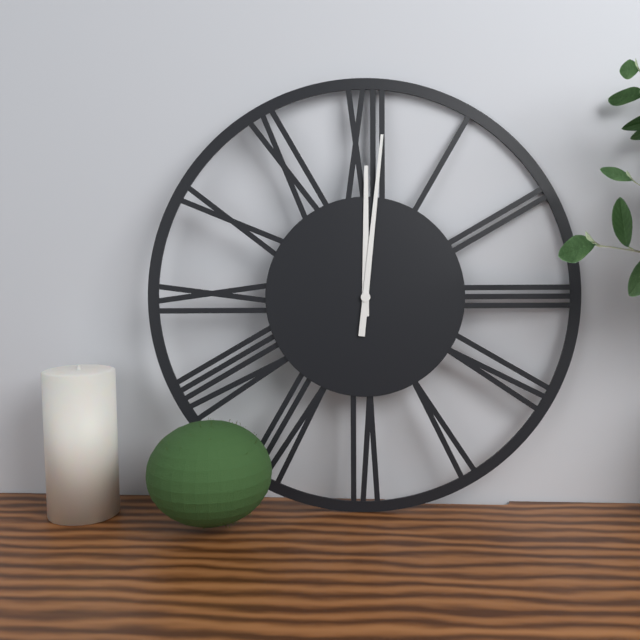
12 h 01 min
